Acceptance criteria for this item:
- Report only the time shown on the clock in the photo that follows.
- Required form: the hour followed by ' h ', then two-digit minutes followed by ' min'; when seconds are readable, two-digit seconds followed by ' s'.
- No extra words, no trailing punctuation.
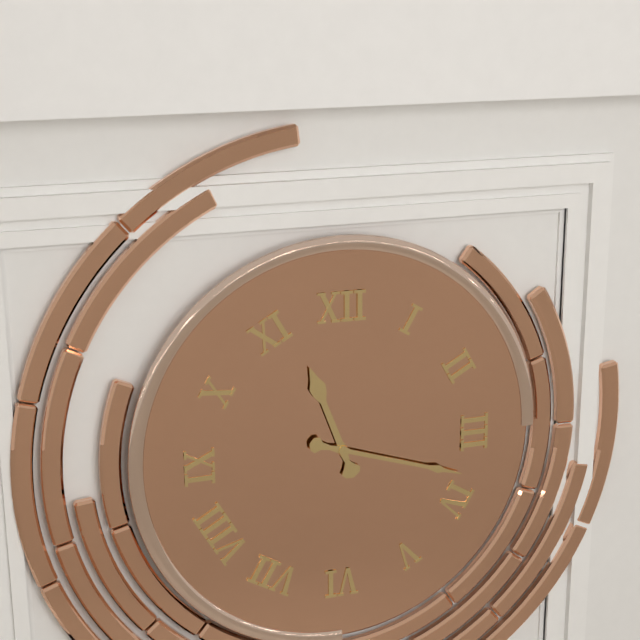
11 h 18 min
